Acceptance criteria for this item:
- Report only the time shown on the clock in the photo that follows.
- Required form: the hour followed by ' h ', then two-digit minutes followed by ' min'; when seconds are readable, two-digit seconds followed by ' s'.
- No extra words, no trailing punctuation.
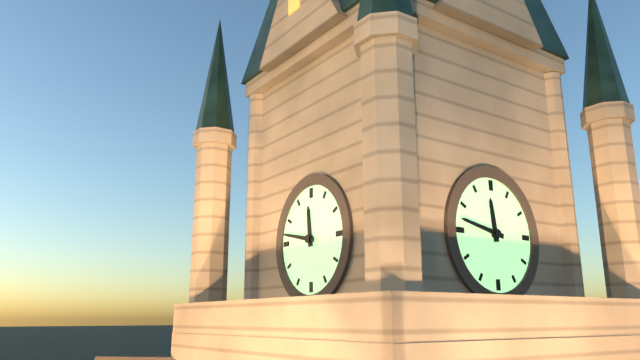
11 h 47 min
